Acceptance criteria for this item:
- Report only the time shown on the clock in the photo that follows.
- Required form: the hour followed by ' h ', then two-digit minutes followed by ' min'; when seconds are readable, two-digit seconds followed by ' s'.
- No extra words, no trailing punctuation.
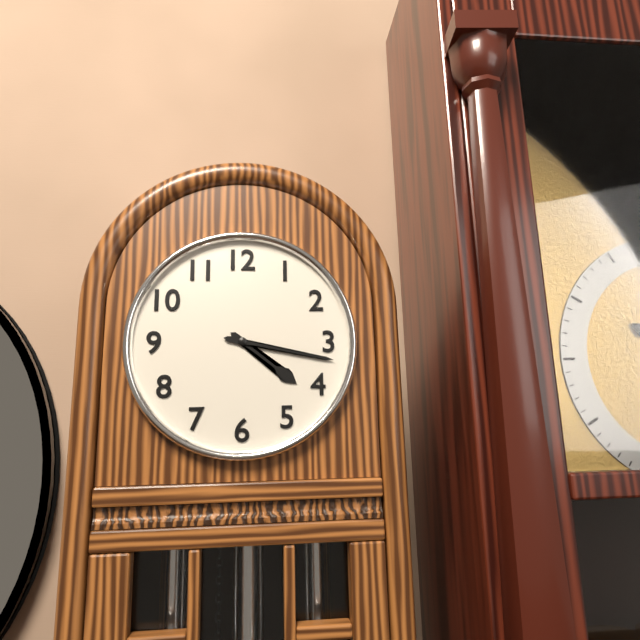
4 h 17 min
